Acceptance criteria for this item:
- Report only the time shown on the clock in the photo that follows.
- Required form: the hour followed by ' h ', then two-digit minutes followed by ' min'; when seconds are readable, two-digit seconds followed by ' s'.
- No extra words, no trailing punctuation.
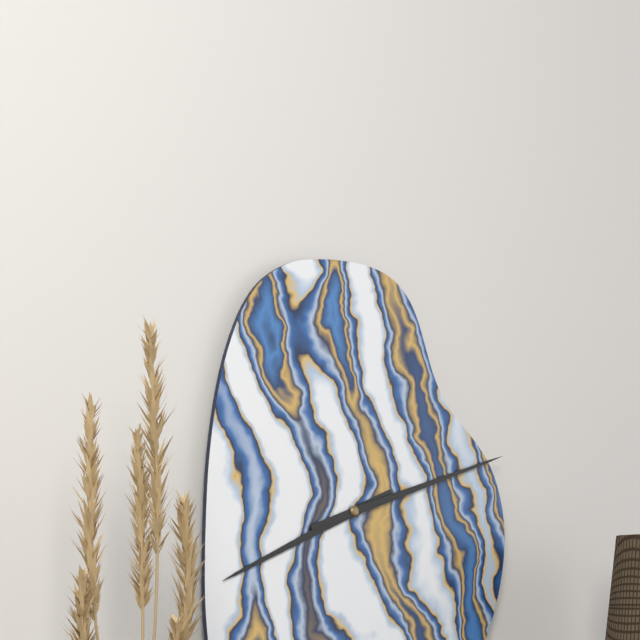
8 h 12 min
